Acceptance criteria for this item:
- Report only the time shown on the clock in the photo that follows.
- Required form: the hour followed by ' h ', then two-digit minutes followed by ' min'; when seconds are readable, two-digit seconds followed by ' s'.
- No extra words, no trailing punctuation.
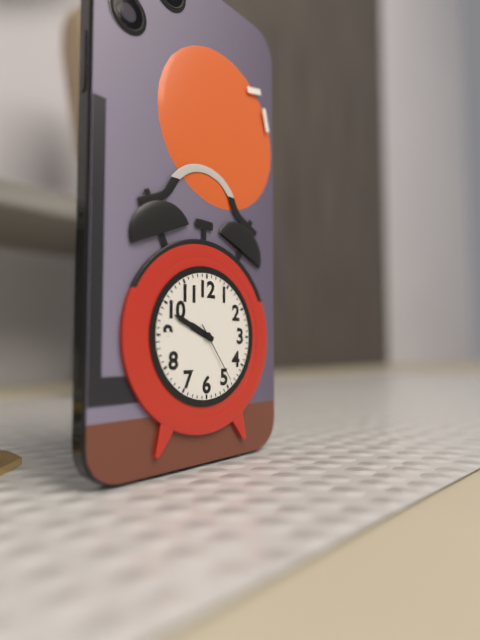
9 h 49 min 24 s
